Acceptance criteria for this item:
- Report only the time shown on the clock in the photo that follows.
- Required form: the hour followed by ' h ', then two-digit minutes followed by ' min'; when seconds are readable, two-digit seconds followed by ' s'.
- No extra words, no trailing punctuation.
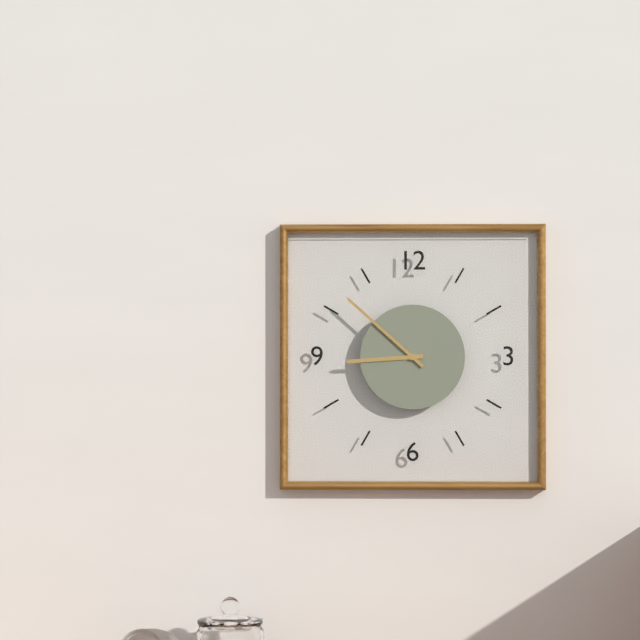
8 h 52 min
